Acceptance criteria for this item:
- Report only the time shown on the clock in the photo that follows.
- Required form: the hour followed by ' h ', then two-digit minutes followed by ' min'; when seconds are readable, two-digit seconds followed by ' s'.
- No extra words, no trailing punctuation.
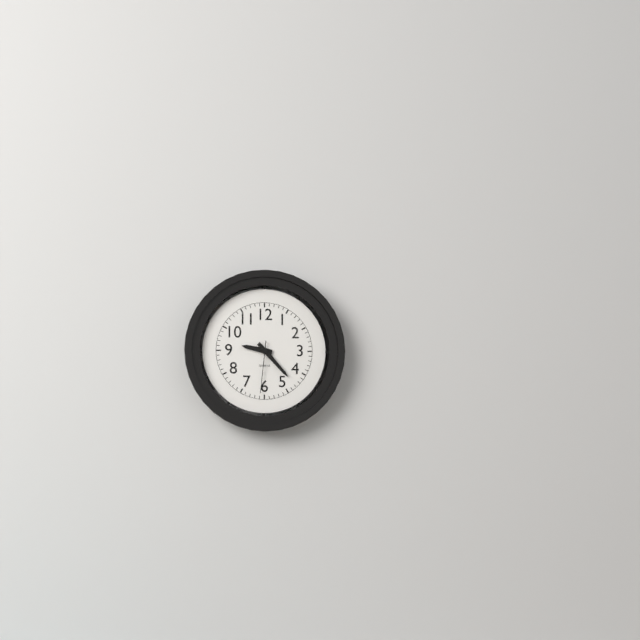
9 h 23 min 31 s
